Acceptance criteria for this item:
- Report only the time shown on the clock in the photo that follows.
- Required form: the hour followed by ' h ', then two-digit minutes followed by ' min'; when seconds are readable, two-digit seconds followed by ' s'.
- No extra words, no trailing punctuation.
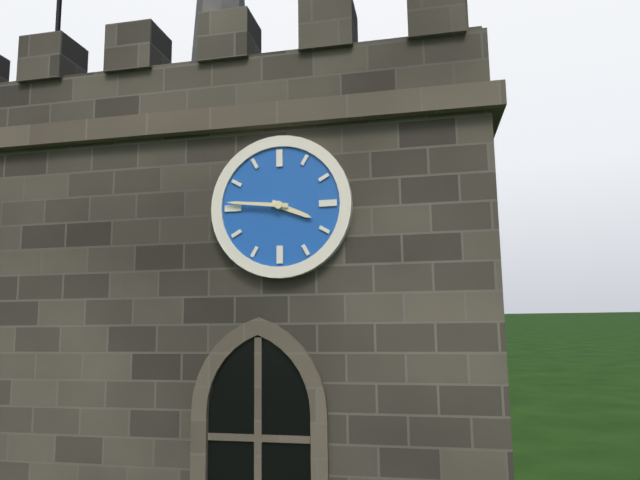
3 h 46 min
